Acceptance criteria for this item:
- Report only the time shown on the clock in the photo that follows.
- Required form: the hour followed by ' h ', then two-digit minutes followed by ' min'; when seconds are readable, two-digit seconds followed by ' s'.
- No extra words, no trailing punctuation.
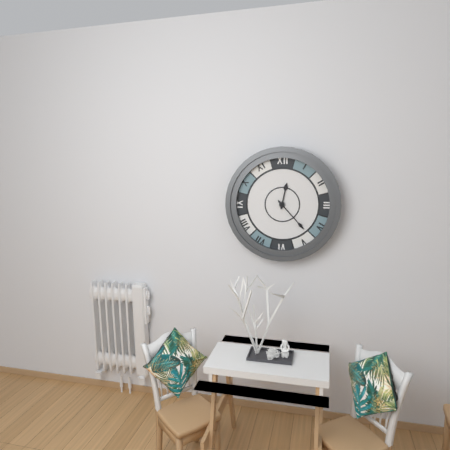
12 h 23 min
